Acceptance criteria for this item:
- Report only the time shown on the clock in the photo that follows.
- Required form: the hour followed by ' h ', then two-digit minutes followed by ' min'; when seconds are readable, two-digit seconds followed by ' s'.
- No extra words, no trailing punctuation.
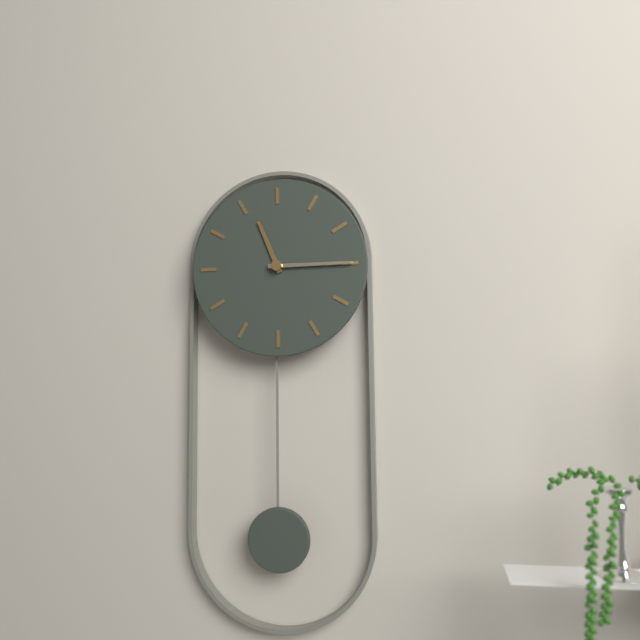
11 h 15 min
